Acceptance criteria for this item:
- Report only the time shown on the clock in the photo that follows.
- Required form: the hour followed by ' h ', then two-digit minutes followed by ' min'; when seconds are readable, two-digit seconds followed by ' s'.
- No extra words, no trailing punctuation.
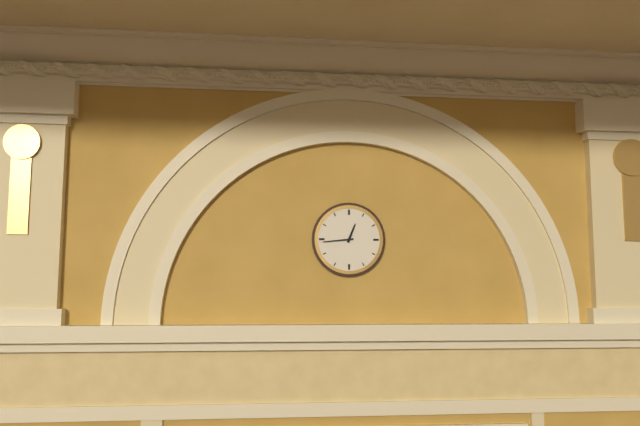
12 h 44 min
